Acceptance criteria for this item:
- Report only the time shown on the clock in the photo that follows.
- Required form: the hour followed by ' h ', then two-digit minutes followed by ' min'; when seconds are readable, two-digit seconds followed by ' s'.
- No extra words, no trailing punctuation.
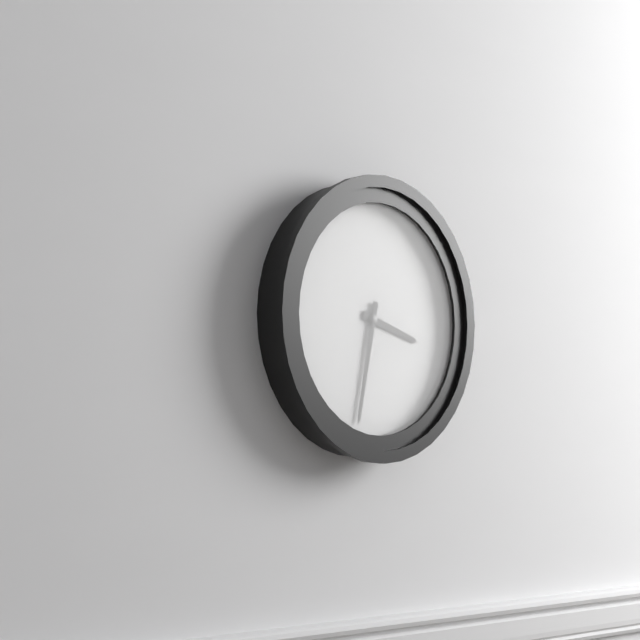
3 h 32 min
